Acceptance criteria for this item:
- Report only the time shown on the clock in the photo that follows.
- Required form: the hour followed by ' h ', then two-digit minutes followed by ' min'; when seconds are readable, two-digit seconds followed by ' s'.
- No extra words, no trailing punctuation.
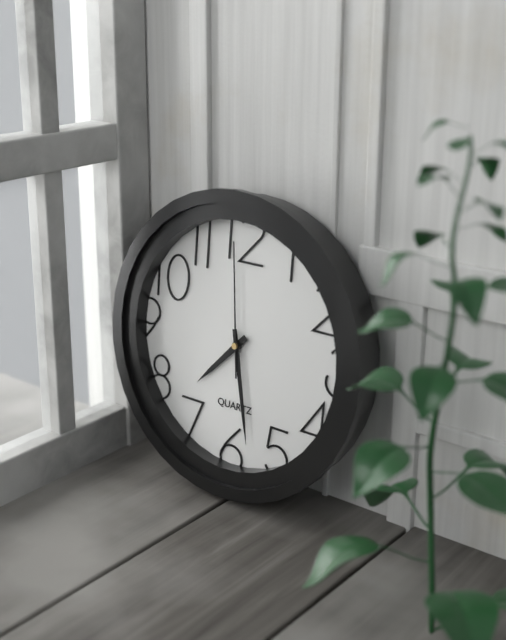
7 h 28 min 59 s
